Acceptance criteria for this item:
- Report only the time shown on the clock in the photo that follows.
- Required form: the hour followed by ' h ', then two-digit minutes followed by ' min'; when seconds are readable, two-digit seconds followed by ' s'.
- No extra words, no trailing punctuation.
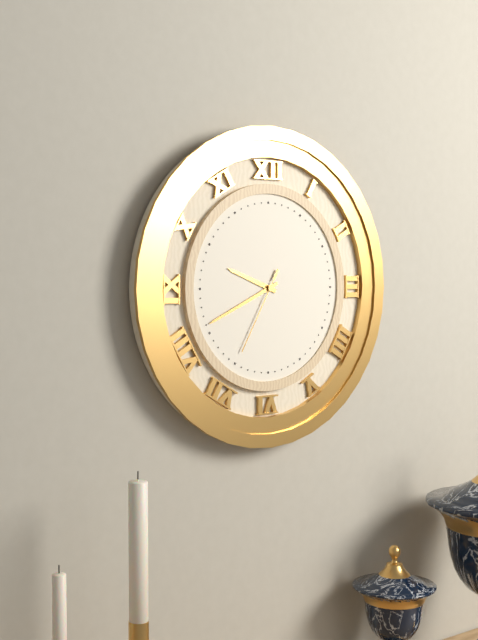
9 h 41 min 35 s
